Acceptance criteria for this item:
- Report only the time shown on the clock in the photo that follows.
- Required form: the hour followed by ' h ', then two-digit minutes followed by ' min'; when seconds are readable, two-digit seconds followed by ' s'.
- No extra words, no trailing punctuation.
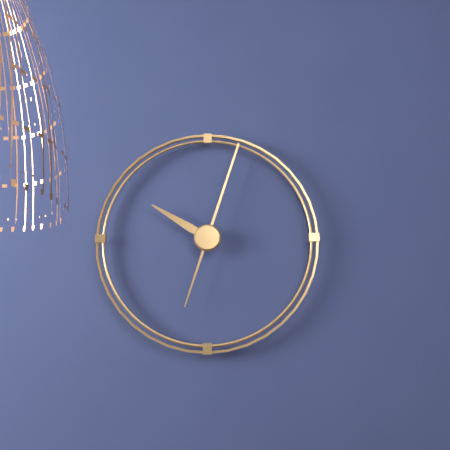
10 h 03 min
